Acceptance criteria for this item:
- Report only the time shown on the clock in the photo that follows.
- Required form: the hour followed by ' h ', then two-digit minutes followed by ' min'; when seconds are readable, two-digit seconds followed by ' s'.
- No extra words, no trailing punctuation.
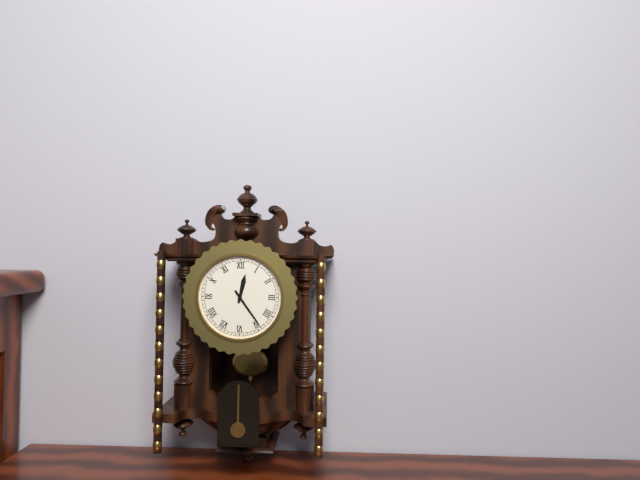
12 h 24 min
